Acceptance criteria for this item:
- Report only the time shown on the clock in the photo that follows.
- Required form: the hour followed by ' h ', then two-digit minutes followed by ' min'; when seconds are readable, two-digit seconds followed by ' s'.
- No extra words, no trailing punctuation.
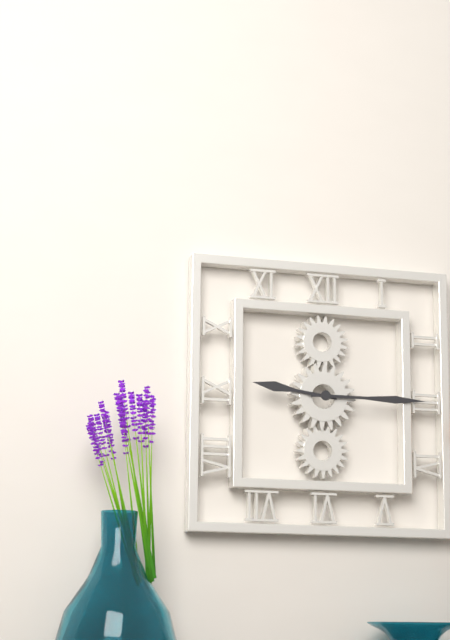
9 h 15 min
